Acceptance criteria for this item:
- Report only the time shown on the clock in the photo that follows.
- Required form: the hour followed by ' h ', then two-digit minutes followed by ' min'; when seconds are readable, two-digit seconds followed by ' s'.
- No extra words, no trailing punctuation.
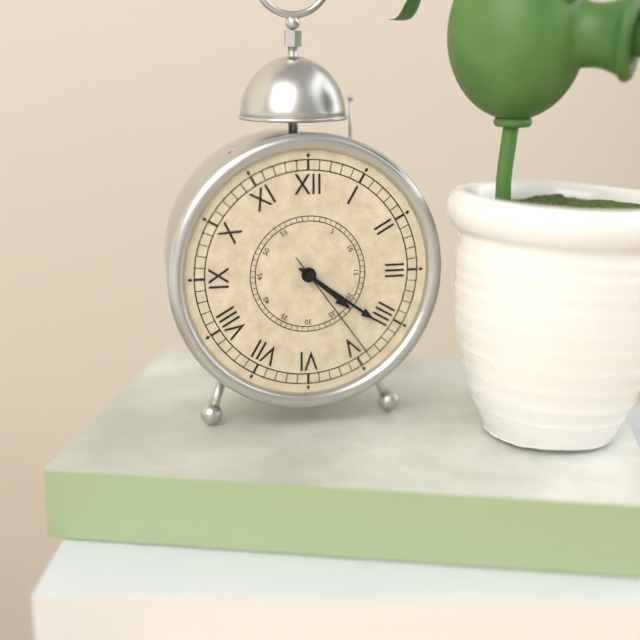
4 h 21 min 24 s
